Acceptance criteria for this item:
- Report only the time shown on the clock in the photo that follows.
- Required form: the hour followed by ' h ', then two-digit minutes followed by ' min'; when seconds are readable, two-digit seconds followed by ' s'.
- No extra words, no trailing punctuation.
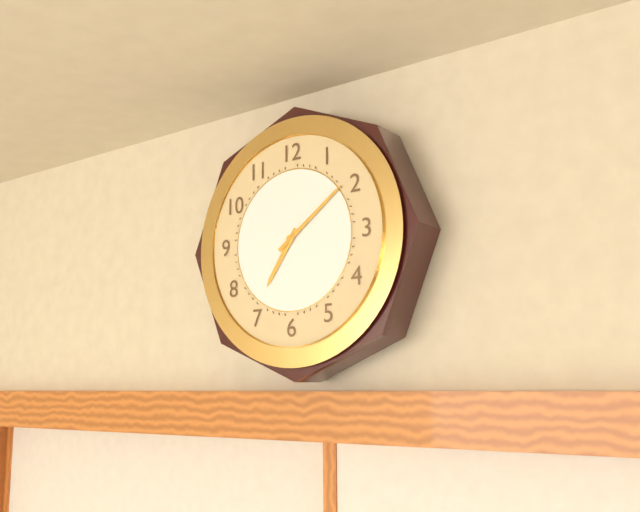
7 h 09 min
